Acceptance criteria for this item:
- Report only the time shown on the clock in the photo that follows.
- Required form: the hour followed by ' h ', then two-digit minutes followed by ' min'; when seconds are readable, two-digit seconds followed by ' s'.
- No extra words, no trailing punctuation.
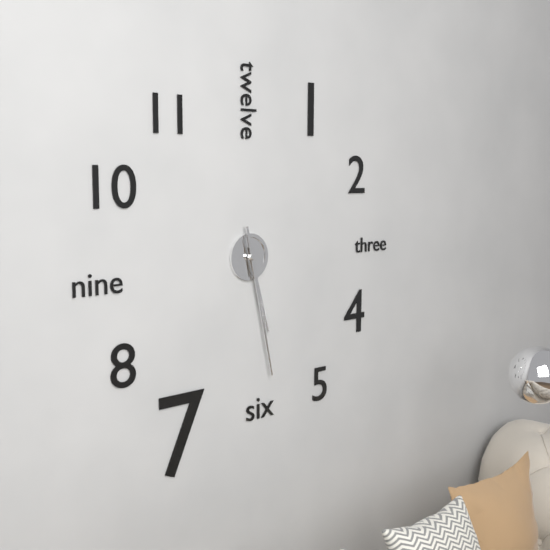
5 h 28 min
